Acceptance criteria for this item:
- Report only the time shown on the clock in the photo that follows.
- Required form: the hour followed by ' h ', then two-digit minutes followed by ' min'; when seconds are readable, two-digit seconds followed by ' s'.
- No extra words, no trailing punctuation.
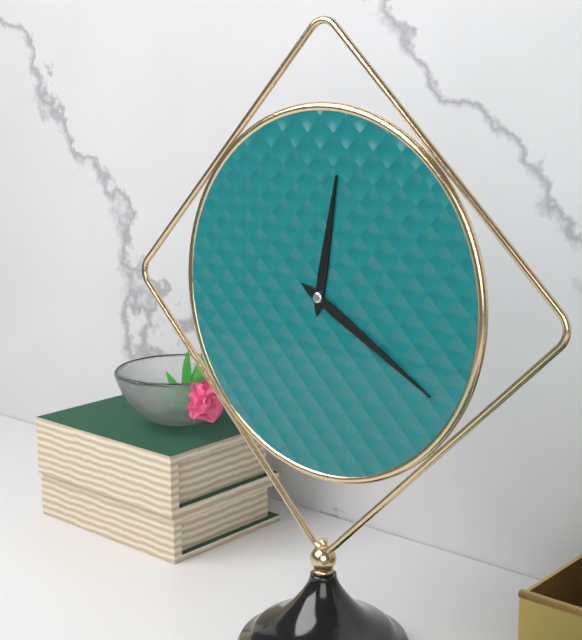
12 h 20 min
